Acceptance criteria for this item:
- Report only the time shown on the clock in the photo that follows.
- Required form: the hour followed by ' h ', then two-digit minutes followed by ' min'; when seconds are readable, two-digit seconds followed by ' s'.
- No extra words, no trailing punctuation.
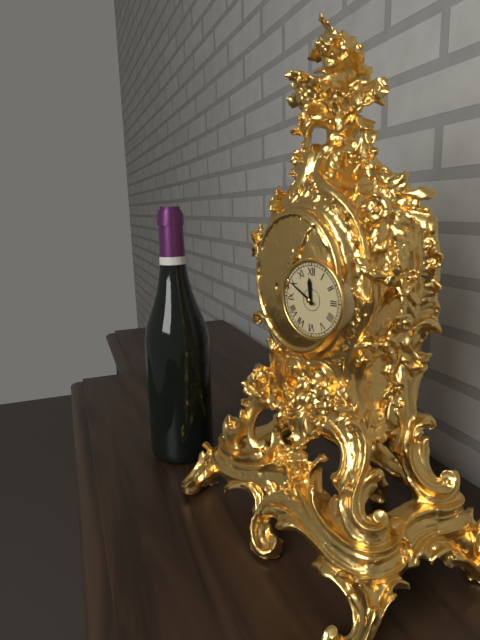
11 h 50 min
